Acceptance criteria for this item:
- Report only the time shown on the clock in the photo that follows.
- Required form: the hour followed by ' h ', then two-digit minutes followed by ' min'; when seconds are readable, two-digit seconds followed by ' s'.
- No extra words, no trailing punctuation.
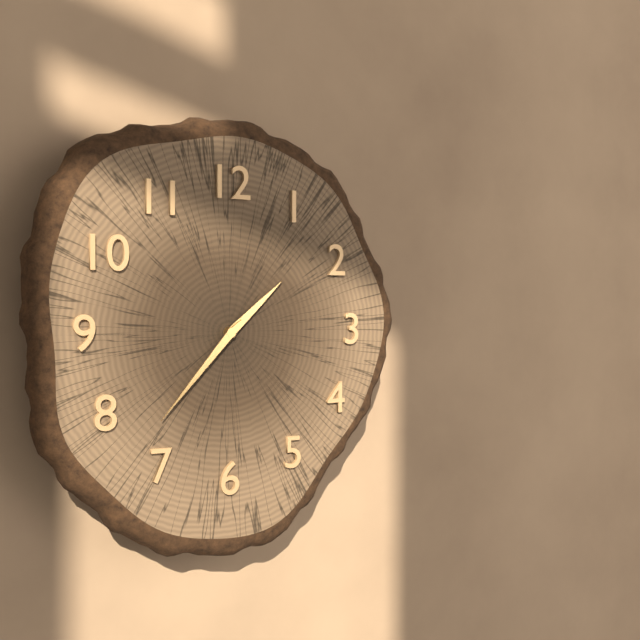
1 h 37 min
